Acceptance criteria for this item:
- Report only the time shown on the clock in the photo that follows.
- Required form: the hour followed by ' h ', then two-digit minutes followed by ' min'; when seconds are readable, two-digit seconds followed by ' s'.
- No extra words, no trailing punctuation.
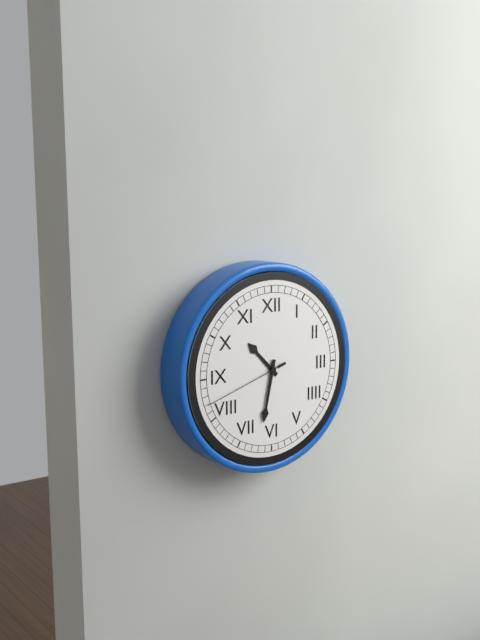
10 h 32 min 42 s
